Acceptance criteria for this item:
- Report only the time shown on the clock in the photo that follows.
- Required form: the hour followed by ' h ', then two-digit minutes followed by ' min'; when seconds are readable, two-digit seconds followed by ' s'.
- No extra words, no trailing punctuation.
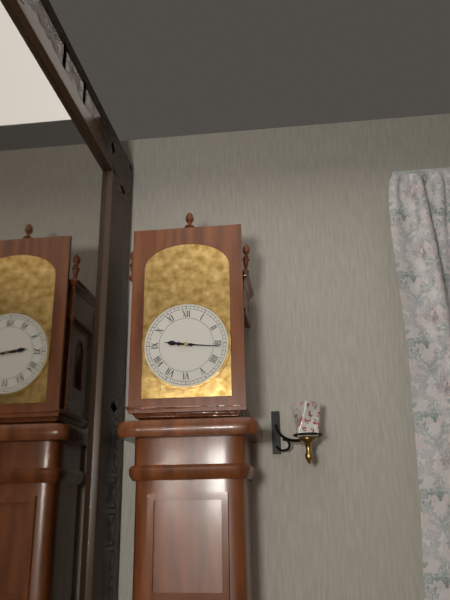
9 h 16 min
